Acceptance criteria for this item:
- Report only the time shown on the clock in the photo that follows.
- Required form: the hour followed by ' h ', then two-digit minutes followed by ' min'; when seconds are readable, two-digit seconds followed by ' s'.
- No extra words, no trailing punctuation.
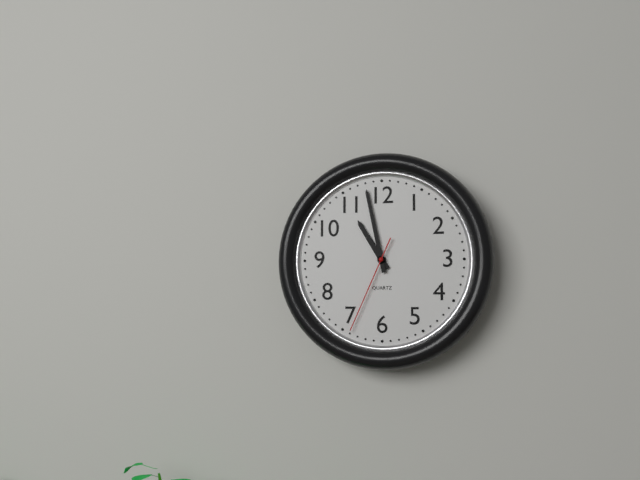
10 h 58 min 34 s
